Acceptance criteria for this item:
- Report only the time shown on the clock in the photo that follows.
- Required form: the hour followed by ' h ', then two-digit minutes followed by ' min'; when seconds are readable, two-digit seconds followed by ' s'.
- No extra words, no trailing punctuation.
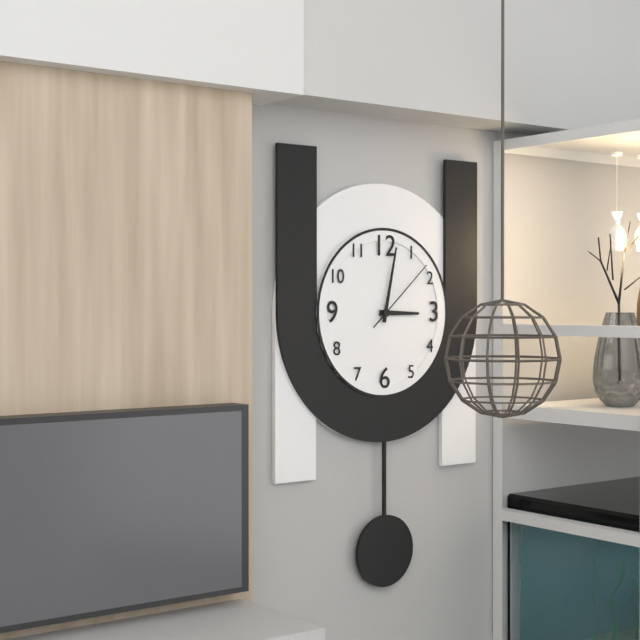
3 h 02 min 08 s
